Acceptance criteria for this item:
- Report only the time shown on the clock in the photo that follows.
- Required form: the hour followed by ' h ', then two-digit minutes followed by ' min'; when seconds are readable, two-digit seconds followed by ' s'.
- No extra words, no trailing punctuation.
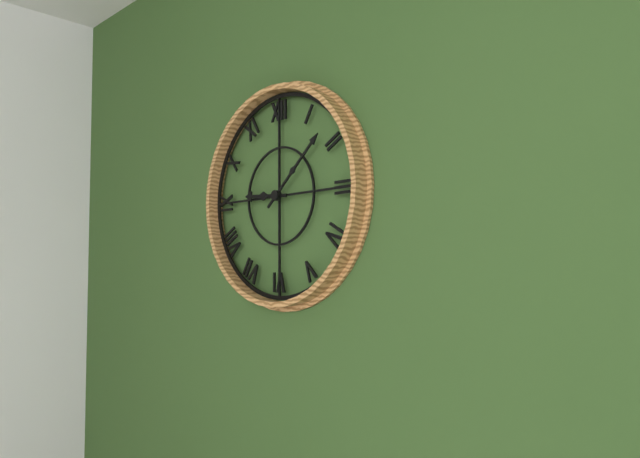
9 h 08 min
